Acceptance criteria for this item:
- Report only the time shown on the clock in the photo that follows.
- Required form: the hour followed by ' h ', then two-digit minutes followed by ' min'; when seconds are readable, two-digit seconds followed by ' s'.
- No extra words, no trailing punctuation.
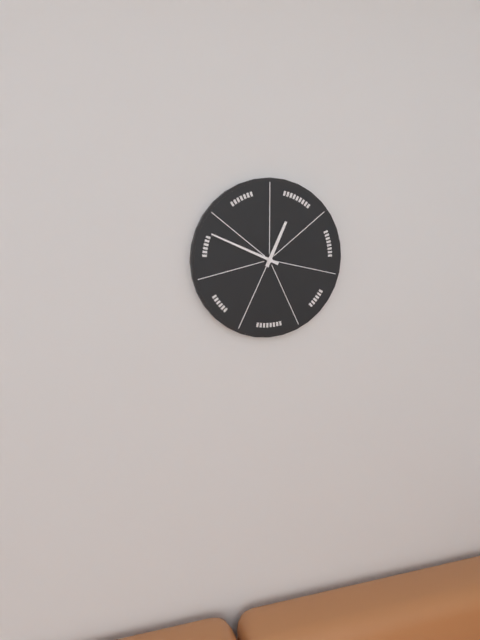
12 h 49 min
